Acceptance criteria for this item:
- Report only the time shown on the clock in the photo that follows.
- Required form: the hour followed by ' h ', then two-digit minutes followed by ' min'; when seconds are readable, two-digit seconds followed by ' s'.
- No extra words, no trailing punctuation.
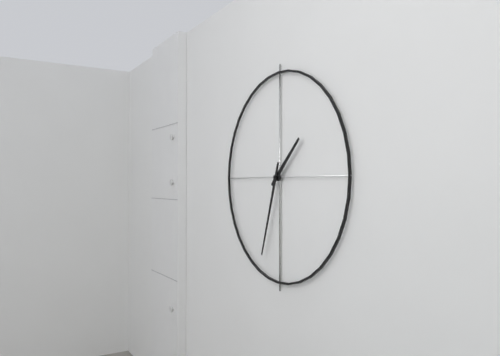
1 h 33 min
